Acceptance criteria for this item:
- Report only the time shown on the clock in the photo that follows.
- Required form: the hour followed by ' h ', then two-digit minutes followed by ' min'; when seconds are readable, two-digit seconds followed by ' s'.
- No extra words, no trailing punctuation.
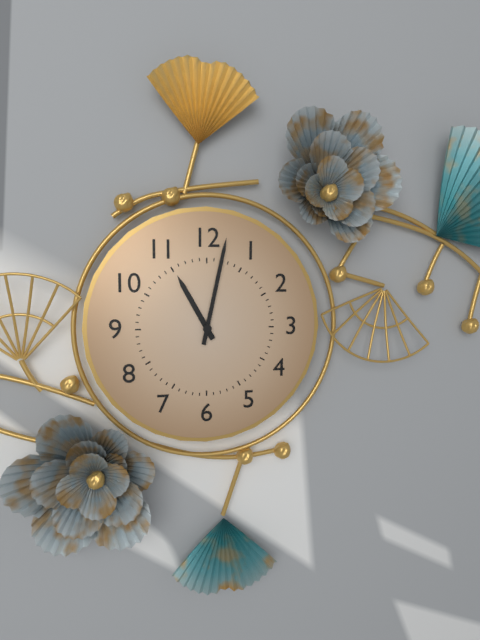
11 h 02 min
